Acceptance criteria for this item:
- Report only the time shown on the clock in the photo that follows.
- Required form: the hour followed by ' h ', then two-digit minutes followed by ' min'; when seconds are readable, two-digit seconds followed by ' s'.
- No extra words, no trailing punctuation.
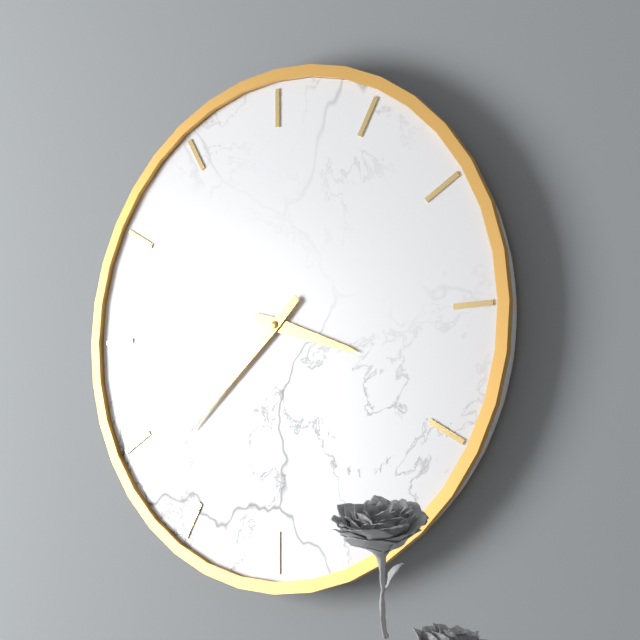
3 h 38 min
